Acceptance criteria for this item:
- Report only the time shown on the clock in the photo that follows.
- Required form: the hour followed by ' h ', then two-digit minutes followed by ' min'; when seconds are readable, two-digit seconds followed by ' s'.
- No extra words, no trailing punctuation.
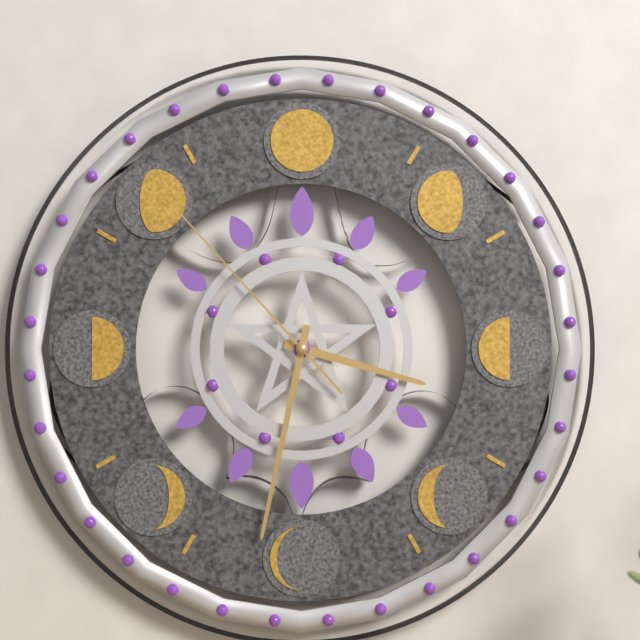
3 h 32 min 53 s
